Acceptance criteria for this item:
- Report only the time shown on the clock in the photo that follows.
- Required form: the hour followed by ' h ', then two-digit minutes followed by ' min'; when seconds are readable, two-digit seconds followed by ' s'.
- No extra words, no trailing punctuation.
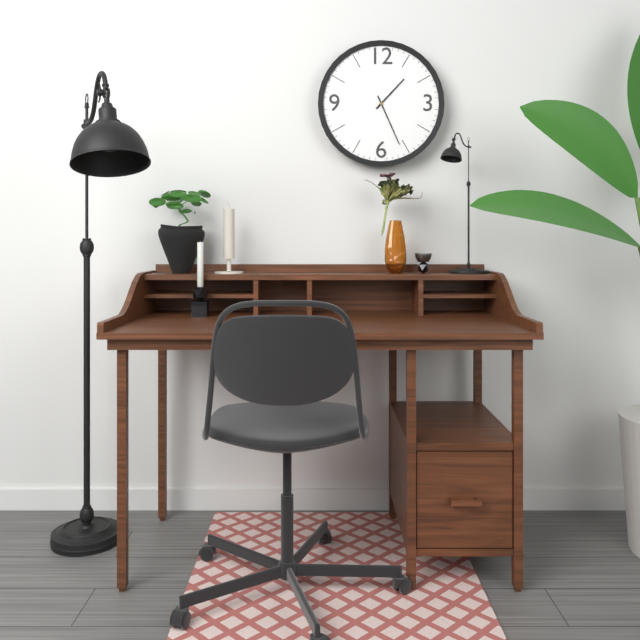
1 h 26 min
